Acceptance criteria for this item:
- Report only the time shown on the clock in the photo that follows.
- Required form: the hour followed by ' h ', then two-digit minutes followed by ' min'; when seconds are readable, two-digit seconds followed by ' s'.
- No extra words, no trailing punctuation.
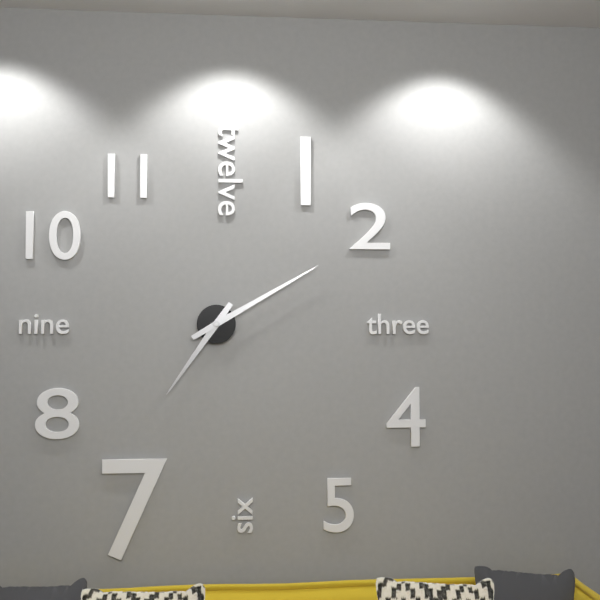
7 h 10 min
